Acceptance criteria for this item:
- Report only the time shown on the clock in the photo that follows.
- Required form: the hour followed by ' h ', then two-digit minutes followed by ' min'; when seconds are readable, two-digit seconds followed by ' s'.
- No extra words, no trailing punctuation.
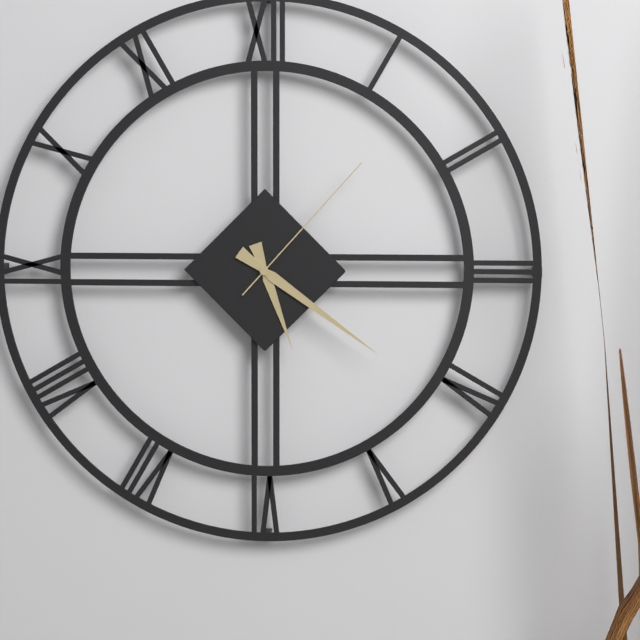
5 h 21 min 07 s
